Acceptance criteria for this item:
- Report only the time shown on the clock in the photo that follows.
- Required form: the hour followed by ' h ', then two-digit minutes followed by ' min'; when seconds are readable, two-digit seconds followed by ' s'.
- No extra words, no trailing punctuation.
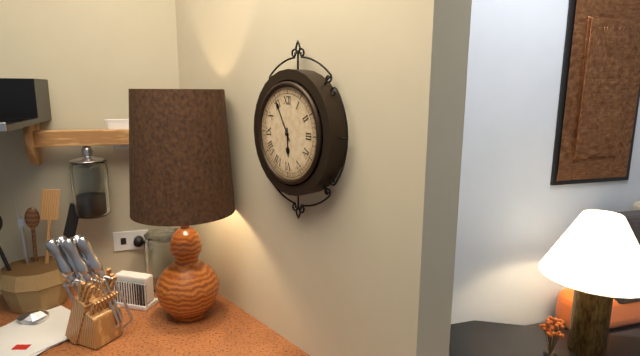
5 h 55 min
